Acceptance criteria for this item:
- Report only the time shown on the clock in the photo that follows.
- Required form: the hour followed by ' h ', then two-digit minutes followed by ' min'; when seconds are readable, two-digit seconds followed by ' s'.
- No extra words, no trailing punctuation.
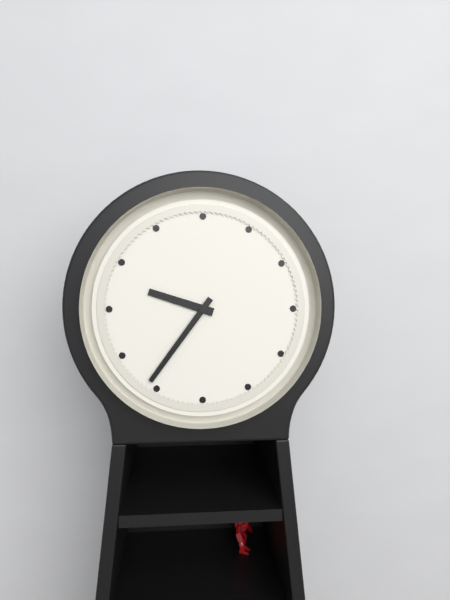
9 h 36 min
